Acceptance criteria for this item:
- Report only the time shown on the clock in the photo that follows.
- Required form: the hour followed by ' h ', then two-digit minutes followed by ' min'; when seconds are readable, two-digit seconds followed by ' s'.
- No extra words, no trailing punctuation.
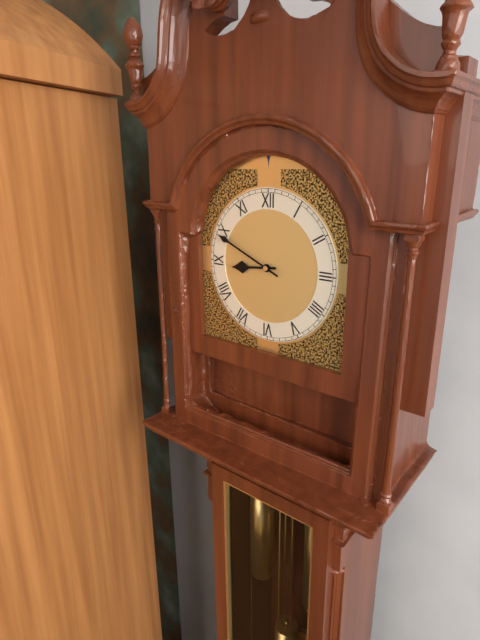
8 h 49 min
